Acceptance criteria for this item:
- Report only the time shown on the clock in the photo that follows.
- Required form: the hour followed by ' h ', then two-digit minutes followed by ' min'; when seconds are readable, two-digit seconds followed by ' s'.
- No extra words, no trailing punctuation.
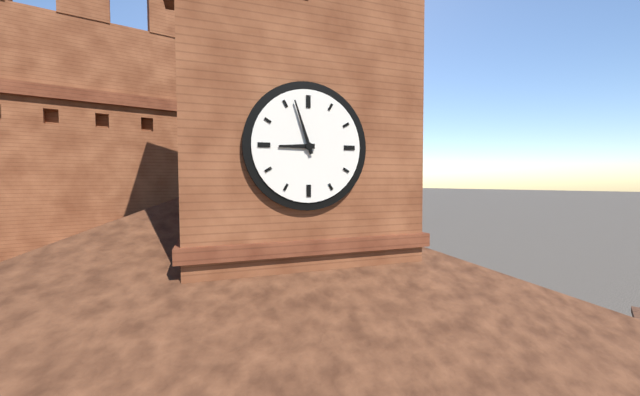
8 h 57 min
